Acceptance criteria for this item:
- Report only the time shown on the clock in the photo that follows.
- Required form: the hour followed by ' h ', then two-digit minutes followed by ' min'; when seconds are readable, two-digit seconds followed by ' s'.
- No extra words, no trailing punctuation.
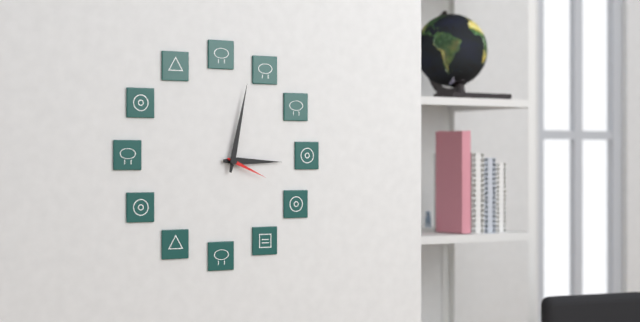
3 h 02 min
